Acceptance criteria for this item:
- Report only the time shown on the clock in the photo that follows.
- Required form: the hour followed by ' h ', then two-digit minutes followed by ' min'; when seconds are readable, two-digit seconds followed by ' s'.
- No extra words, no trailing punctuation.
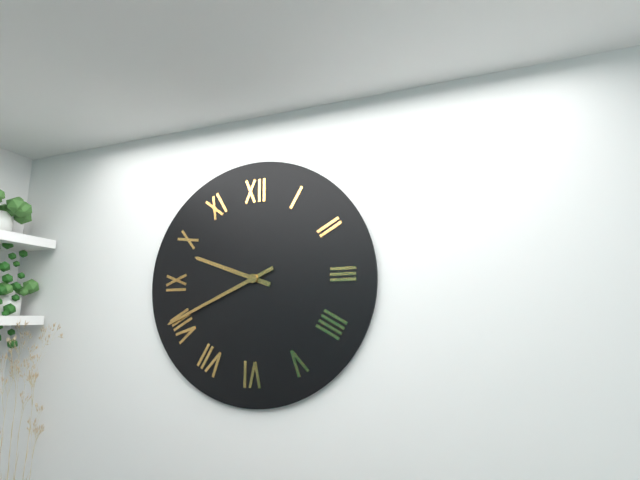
9 h 41 min
